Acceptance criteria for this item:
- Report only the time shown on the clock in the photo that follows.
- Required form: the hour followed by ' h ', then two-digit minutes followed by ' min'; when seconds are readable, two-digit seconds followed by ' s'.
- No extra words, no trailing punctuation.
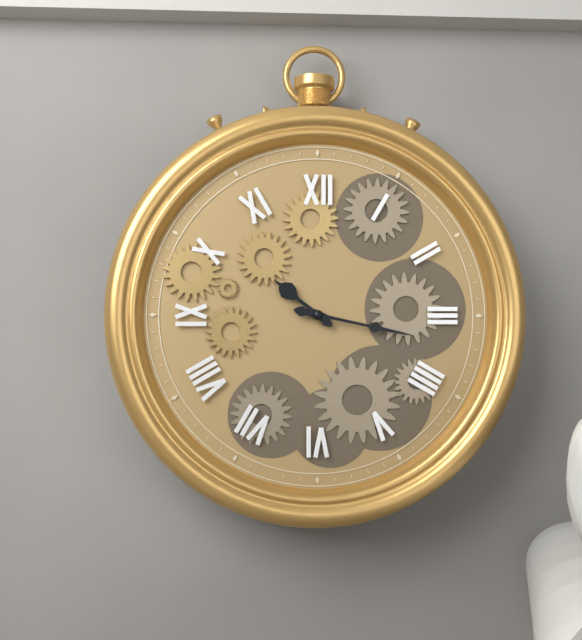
10 h 17 min
